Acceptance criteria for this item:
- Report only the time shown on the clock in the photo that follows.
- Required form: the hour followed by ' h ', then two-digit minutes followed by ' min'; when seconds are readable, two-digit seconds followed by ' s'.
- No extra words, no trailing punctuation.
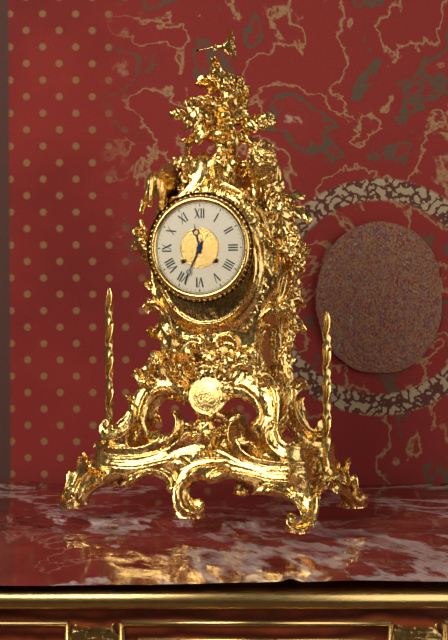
11 h 34 min
